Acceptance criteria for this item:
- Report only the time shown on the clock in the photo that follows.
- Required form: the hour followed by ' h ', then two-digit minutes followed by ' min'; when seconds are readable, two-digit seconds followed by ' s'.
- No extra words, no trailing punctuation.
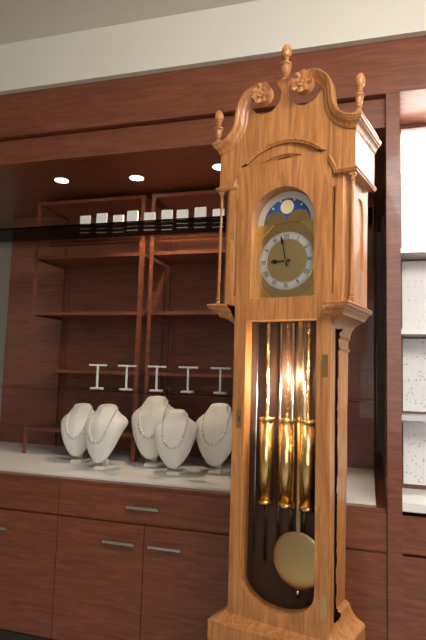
8 h 58 min
